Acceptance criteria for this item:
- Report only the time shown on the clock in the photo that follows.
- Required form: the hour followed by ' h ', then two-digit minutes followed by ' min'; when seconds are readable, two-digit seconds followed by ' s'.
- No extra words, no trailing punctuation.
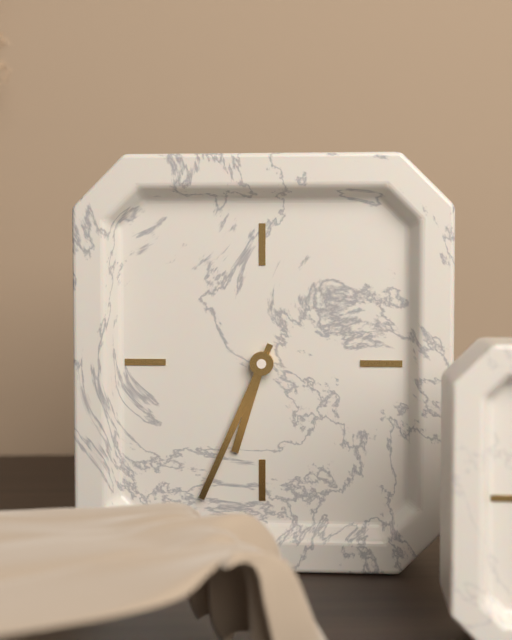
6 h 34 min
